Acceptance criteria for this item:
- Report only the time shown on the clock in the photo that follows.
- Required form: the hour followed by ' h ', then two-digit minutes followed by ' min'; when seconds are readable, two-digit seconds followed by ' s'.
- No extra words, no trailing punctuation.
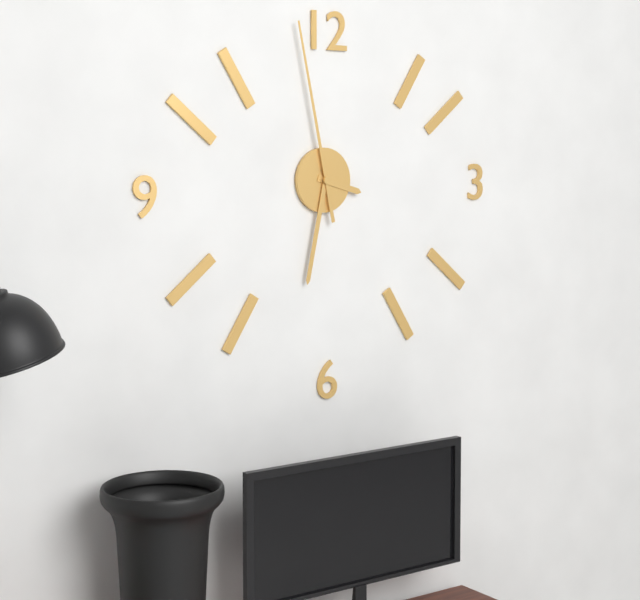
3 h 32 min 58 s
